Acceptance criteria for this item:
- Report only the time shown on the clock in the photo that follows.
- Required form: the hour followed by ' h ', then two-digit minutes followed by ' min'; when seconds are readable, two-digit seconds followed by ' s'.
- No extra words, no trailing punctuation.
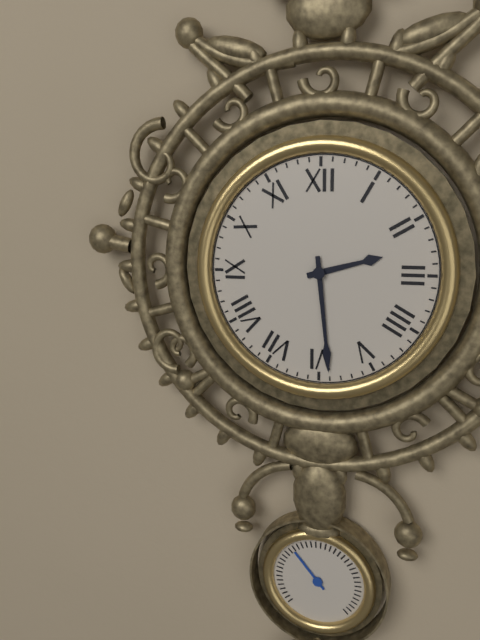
2 h 29 min
